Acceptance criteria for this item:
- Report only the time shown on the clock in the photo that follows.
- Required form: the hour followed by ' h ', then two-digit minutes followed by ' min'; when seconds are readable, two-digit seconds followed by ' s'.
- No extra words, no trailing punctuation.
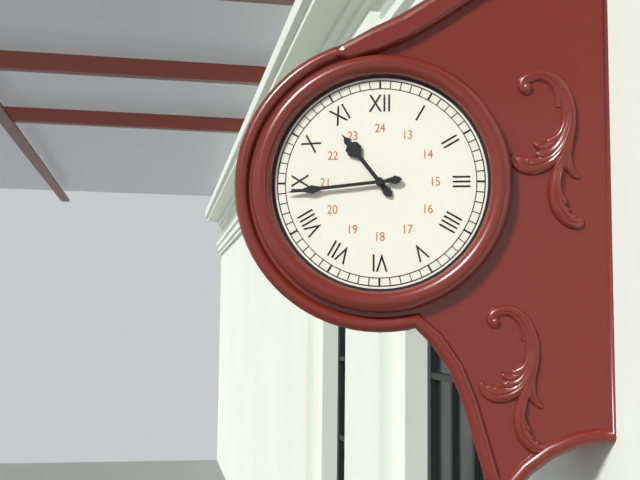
10 h 44 min
